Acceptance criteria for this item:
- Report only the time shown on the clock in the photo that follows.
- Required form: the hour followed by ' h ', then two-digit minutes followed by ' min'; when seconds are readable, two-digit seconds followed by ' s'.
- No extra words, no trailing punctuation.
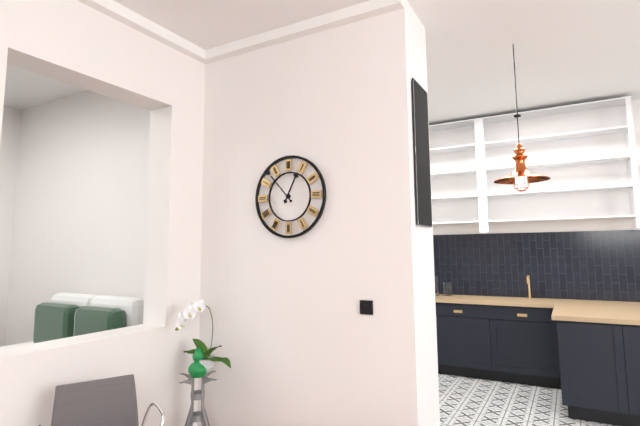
12 h 53 min
